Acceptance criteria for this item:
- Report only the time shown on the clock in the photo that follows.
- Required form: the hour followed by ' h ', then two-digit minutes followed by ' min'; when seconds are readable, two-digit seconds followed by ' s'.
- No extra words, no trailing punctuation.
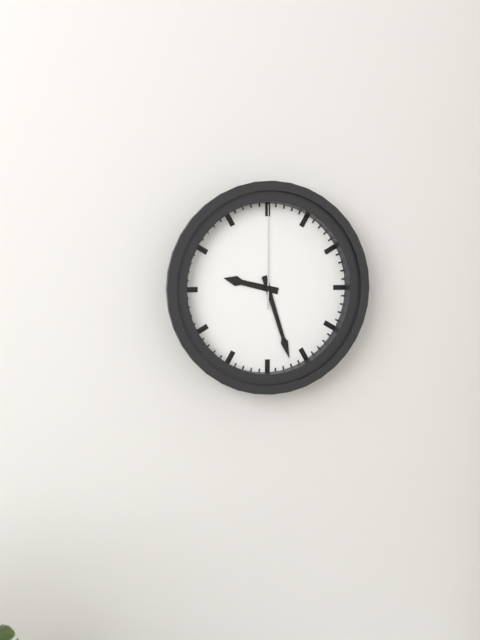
9 h 27 min 00 s
